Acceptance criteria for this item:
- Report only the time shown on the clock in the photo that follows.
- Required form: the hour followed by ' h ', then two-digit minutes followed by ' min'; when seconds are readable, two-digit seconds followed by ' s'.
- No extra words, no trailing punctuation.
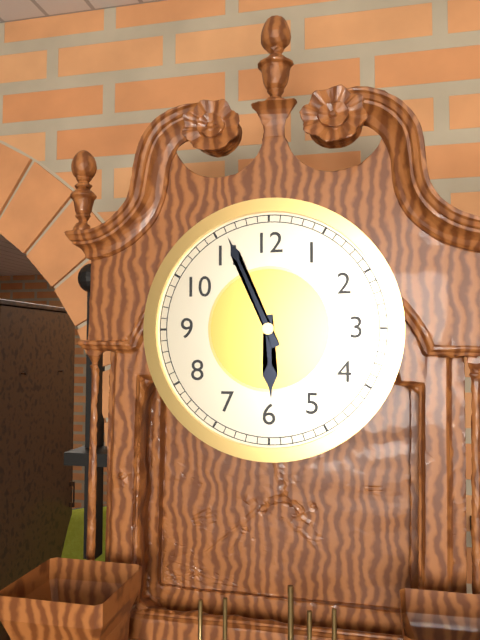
5 h 56 min
